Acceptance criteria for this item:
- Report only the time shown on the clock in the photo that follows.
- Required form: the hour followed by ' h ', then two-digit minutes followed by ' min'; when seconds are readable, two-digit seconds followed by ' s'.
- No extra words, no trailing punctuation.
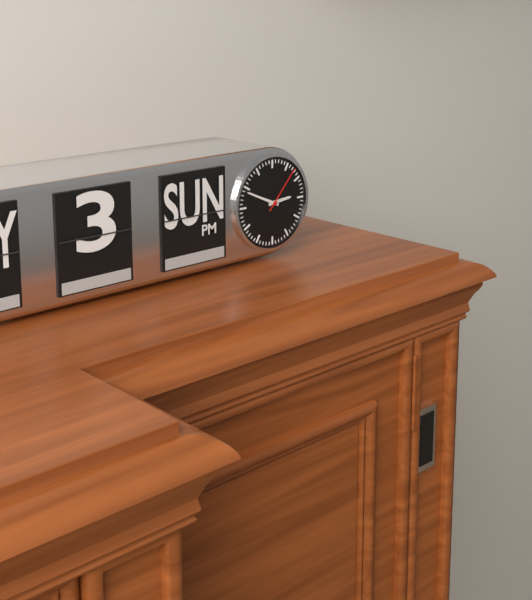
2 h 49 min 07 s
